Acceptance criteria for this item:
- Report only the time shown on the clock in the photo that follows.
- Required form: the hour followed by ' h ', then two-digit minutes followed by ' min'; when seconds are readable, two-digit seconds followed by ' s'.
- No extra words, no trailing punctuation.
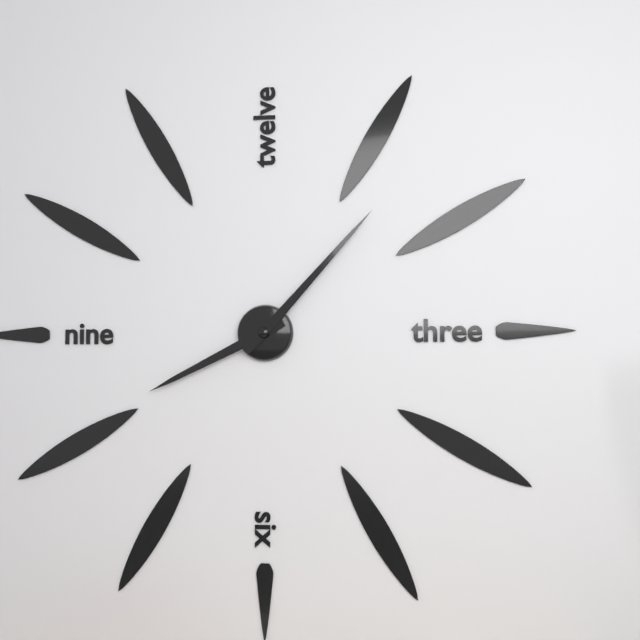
8 h 07 min
